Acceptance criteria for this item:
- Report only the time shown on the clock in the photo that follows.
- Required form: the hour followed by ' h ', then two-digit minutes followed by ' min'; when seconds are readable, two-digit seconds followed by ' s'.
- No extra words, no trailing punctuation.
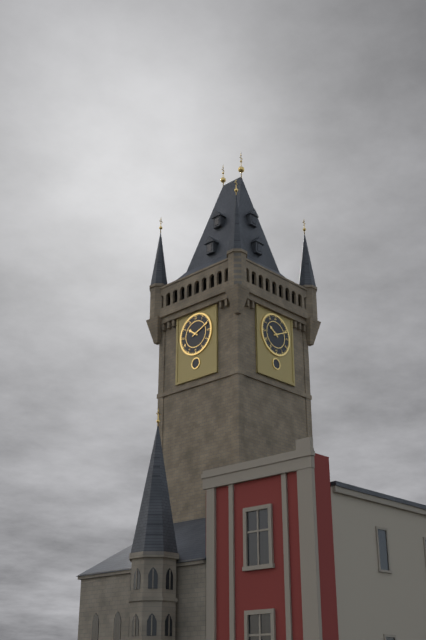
10 h 11 min
